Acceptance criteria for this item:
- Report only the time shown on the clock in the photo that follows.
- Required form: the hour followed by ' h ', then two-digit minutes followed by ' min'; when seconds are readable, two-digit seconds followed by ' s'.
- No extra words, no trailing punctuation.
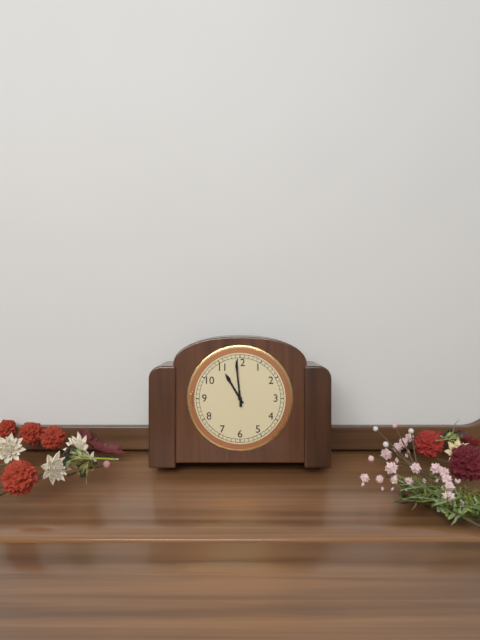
10 h 59 min
